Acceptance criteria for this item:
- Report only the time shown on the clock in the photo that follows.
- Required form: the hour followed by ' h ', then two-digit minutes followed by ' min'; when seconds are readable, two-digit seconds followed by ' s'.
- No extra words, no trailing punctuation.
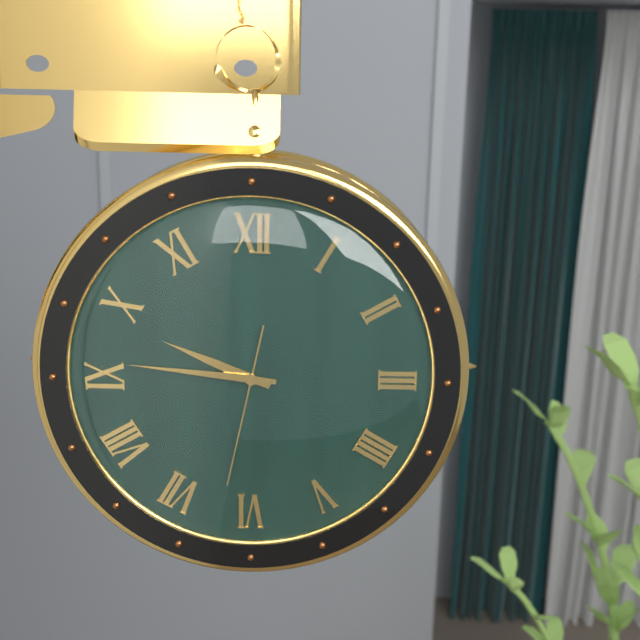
9 h 46 min 32 s
